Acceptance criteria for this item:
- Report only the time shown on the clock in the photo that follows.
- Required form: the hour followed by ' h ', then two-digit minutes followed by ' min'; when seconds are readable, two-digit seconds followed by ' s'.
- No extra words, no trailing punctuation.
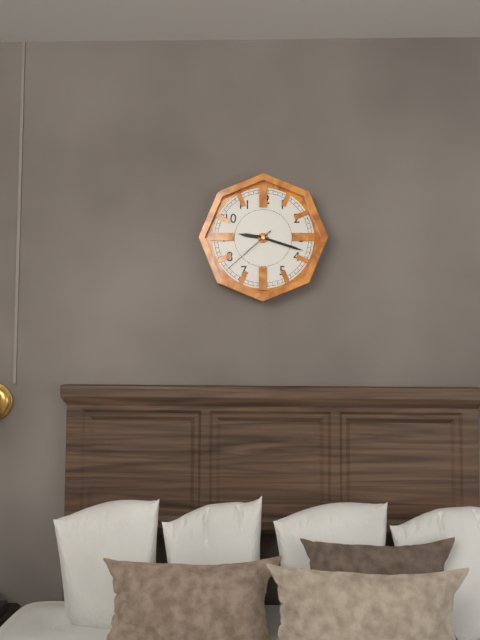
9 h 18 min 38 s
